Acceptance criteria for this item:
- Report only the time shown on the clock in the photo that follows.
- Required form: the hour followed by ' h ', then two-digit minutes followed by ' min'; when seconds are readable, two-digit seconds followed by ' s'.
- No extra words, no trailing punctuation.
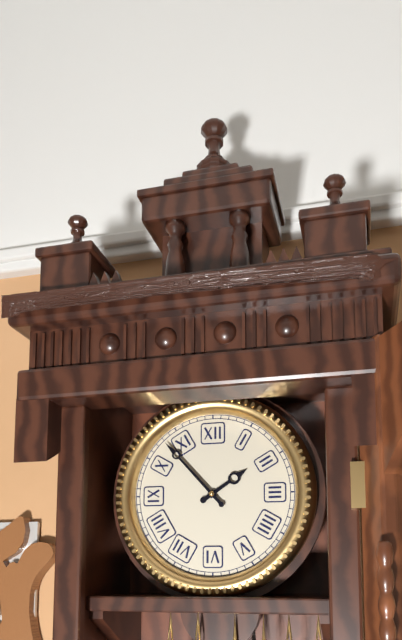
1 h 53 min
